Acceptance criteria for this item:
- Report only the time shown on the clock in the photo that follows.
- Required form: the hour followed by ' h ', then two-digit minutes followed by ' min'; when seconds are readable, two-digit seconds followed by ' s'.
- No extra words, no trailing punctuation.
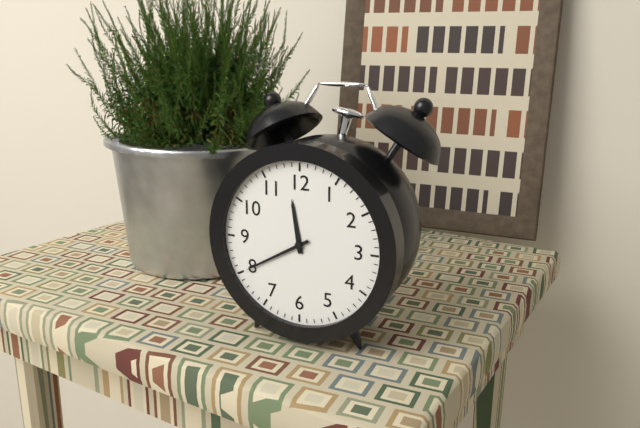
11 h 40 min
